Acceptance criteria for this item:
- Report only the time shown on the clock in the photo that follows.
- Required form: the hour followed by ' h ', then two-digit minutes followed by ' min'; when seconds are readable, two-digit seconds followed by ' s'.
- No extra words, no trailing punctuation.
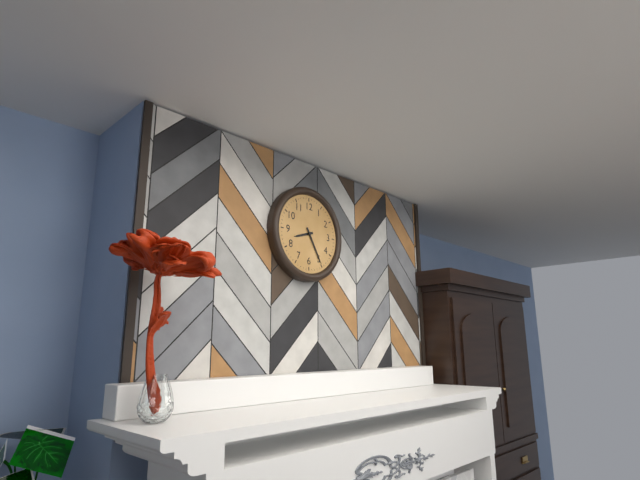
8 h 25 min
